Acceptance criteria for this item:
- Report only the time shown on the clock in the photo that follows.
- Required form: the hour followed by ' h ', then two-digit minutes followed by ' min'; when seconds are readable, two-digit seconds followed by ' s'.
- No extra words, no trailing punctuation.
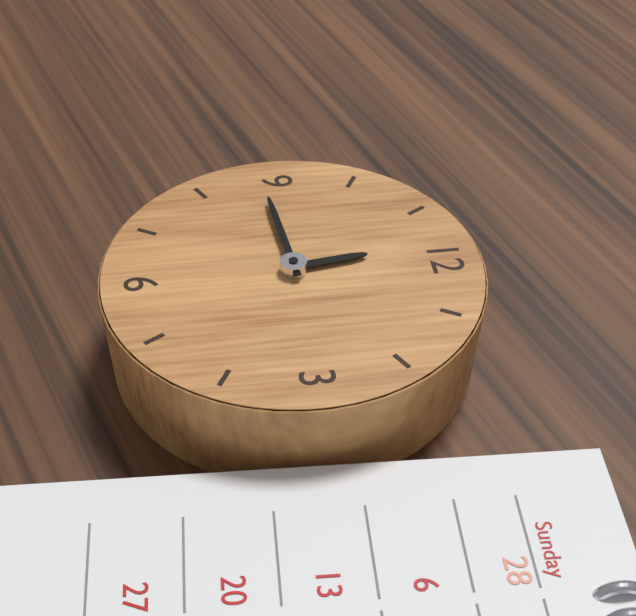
11 h 44 min
